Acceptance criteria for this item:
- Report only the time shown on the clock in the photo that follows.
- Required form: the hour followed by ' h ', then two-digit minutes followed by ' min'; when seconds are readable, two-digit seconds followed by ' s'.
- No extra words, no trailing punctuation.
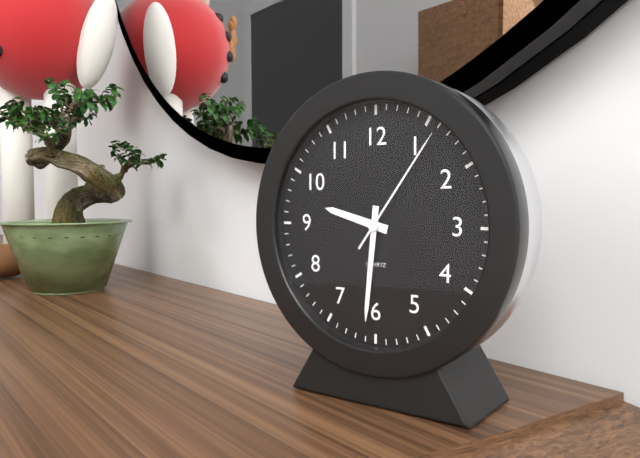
9 h 31 min 06 s
